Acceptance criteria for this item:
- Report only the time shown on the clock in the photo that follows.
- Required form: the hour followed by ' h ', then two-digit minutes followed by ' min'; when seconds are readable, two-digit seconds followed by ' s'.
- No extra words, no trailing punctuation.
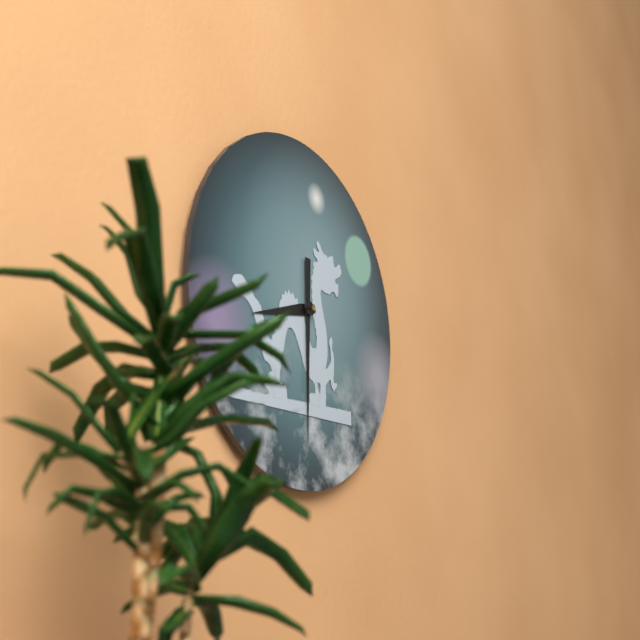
8 h 30 min
